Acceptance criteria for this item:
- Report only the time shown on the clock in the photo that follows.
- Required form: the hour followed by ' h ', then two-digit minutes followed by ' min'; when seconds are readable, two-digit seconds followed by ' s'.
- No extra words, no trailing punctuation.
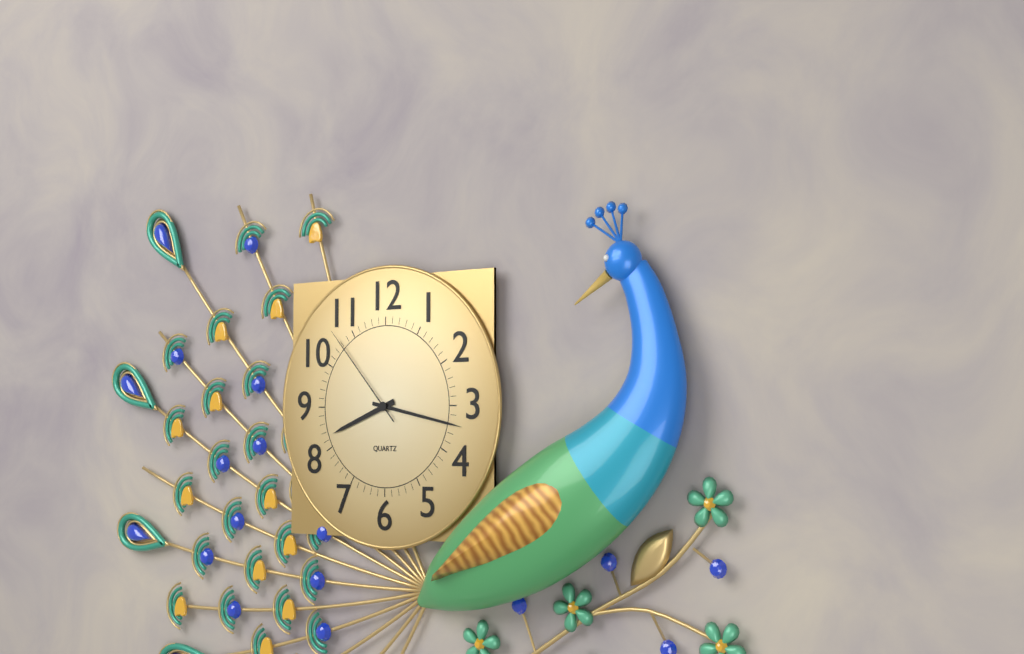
8 h 17 min 53 s
